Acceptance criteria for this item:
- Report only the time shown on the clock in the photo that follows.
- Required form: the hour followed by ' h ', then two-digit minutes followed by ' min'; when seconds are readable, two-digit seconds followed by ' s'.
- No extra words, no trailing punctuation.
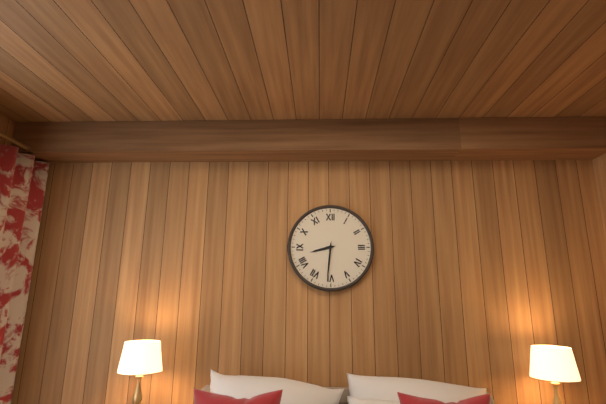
8 h 31 min
